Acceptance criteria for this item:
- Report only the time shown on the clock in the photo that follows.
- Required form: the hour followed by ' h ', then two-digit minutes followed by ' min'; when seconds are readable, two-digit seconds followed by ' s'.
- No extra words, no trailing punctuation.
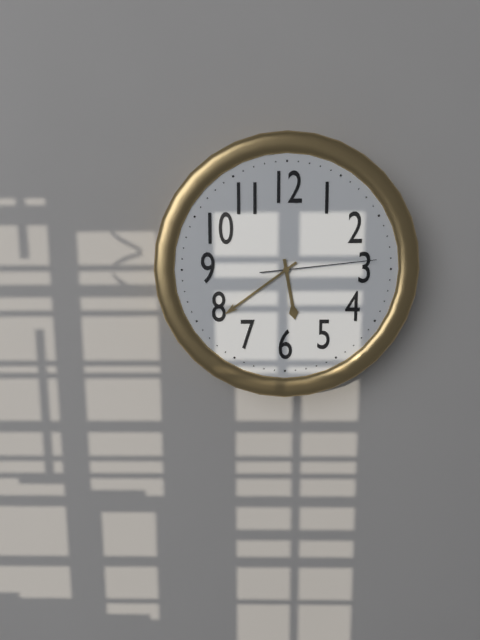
5 h 39 min 14 s
